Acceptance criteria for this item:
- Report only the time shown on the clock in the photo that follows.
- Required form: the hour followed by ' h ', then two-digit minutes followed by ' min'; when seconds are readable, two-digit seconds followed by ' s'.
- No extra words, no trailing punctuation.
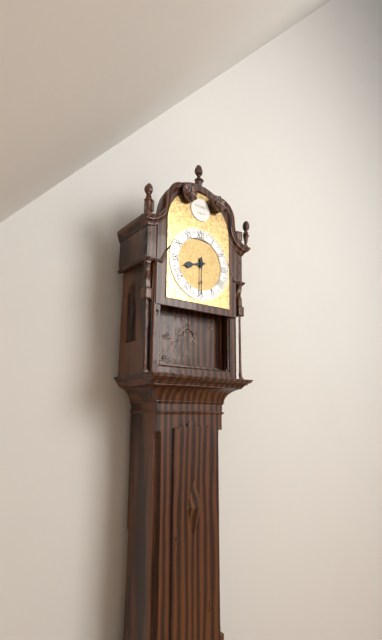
8 h 30 min
